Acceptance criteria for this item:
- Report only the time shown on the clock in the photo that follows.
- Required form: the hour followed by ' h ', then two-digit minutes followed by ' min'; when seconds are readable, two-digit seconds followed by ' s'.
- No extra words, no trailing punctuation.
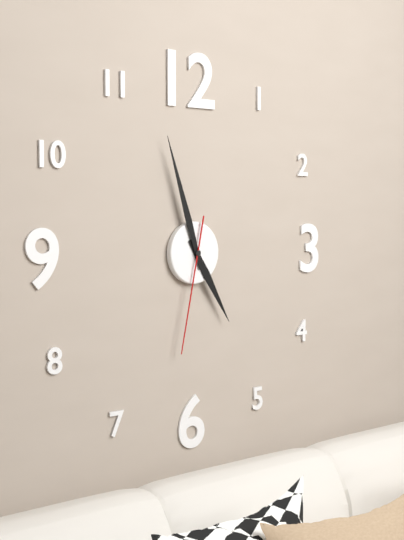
4 h 57 min 32 s
